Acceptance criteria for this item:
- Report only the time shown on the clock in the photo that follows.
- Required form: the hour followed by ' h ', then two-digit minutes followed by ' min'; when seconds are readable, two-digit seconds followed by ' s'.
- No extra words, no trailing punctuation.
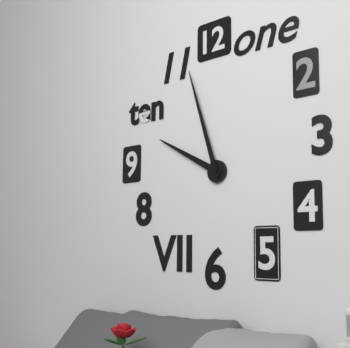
9 h 57 min
